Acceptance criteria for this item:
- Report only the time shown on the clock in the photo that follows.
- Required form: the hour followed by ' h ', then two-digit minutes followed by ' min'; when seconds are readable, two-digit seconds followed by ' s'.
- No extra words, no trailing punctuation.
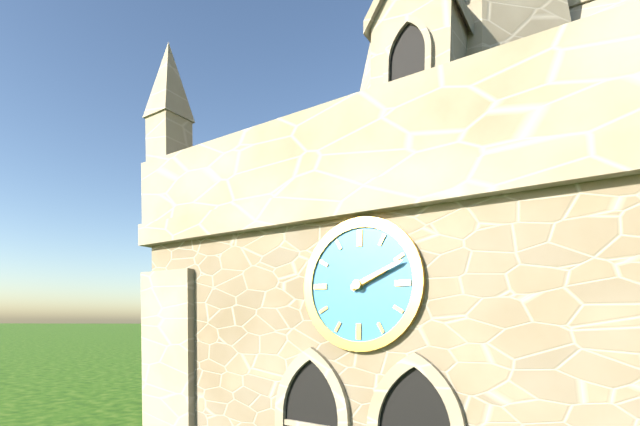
2 h 11 min
